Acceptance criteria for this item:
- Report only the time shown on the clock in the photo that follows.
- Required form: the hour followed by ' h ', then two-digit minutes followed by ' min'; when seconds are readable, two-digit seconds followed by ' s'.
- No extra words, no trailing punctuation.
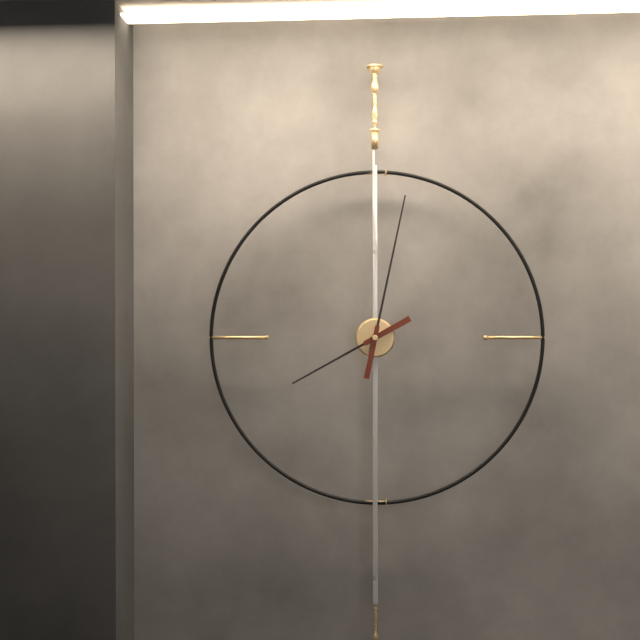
8 h 02 min
